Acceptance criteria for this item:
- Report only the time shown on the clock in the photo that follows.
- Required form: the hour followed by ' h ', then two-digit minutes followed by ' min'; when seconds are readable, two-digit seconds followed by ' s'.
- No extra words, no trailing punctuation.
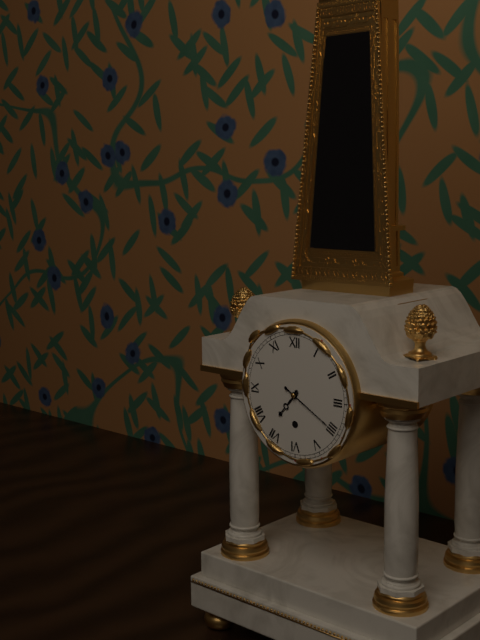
7 h 20 min
